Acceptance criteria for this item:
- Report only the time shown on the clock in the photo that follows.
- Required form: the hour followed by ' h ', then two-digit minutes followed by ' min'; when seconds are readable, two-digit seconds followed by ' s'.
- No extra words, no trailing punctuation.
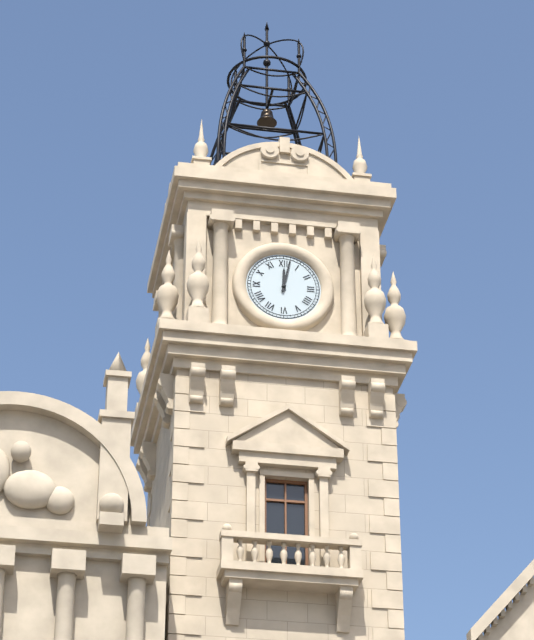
12 h 02 min
